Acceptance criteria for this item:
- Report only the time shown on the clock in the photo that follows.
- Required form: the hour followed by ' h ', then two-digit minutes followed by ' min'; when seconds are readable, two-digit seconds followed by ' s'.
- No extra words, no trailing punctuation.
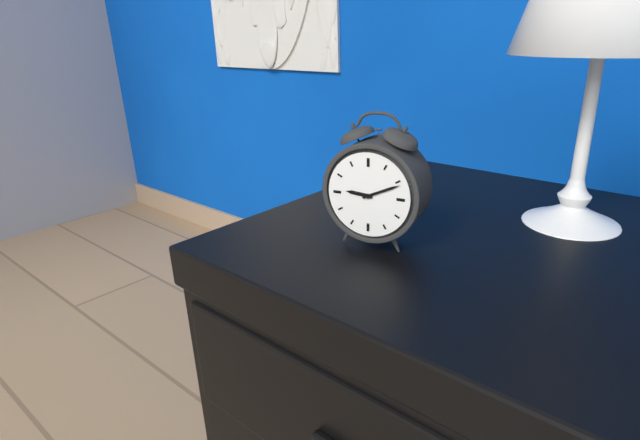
9 h 11 min
